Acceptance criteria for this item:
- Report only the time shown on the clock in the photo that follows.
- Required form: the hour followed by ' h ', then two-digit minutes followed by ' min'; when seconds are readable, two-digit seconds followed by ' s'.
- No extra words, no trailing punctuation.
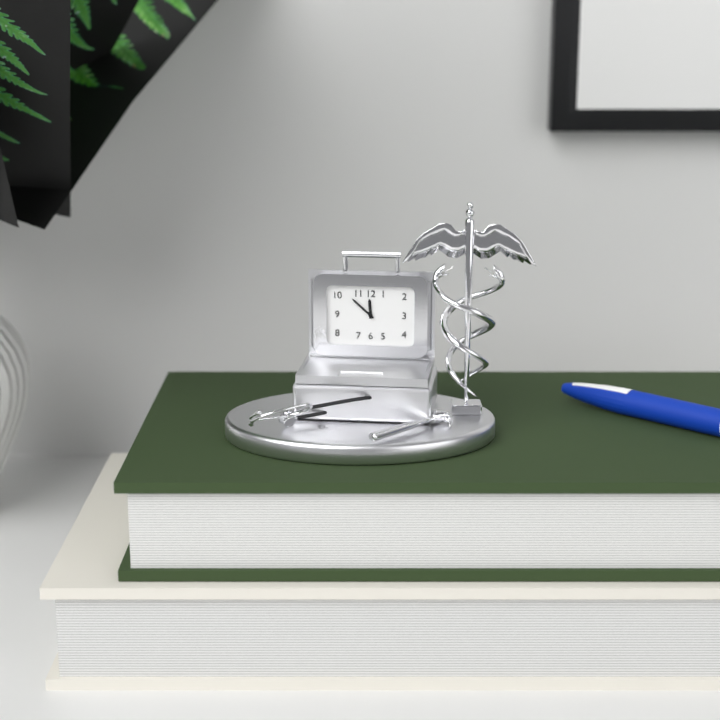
11 h 52 min
